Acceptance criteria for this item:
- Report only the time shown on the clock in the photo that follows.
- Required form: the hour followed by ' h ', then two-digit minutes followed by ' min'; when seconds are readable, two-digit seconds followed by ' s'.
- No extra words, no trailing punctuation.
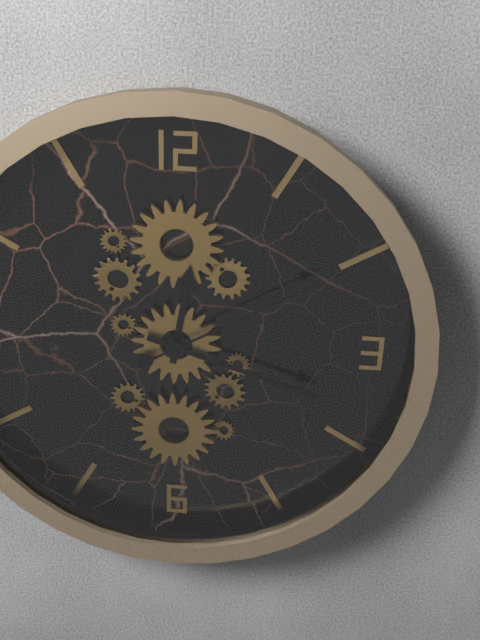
12 h 18 min 10 s
